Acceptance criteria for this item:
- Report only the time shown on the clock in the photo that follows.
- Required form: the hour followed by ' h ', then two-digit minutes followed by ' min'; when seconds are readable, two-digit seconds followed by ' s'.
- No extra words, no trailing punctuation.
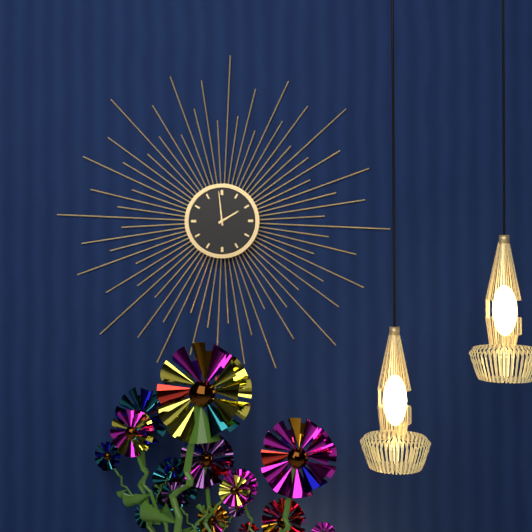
1 h 59 min
